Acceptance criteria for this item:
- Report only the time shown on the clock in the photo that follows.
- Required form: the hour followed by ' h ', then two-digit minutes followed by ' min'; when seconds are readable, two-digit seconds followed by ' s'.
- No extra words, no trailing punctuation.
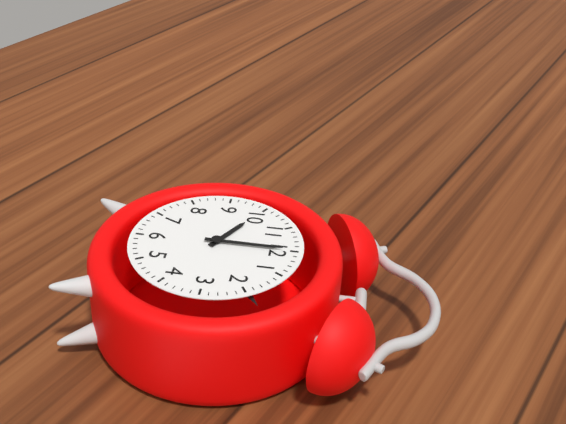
10 h 00 min
